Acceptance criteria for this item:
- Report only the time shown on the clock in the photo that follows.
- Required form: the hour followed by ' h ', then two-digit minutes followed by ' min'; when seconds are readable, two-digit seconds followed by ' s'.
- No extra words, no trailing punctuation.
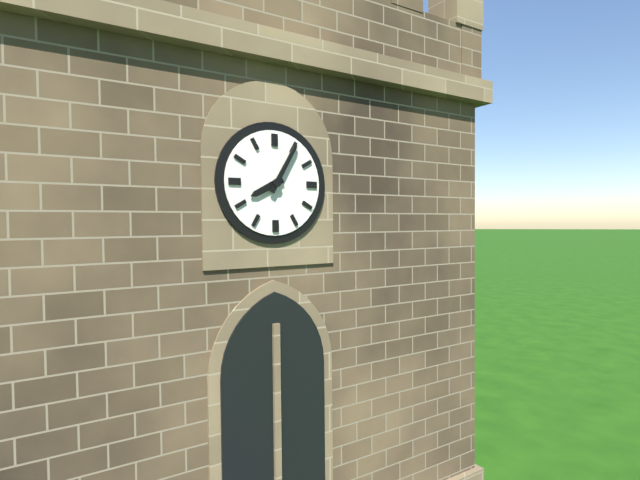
8 h 05 min
